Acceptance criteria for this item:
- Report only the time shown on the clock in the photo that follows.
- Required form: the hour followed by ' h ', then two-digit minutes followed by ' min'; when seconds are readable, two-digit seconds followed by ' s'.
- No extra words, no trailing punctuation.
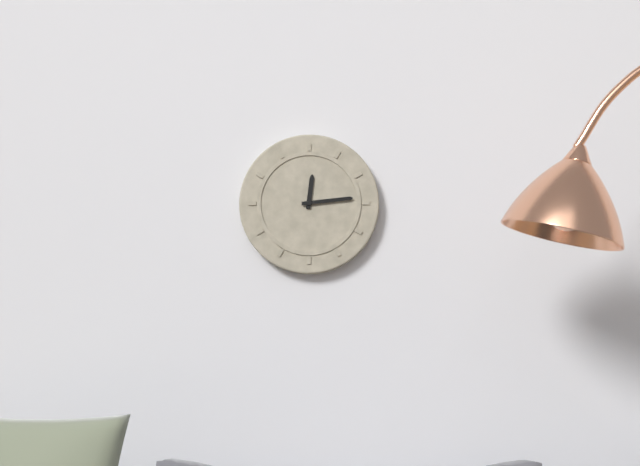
12 h 14 min
